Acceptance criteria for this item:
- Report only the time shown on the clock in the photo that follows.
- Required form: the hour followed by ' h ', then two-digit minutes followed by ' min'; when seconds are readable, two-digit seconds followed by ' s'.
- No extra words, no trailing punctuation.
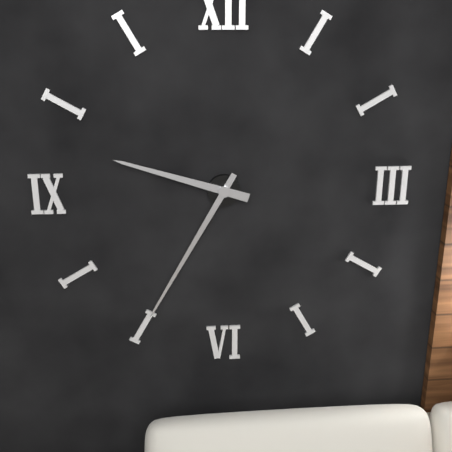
9 h 35 min
